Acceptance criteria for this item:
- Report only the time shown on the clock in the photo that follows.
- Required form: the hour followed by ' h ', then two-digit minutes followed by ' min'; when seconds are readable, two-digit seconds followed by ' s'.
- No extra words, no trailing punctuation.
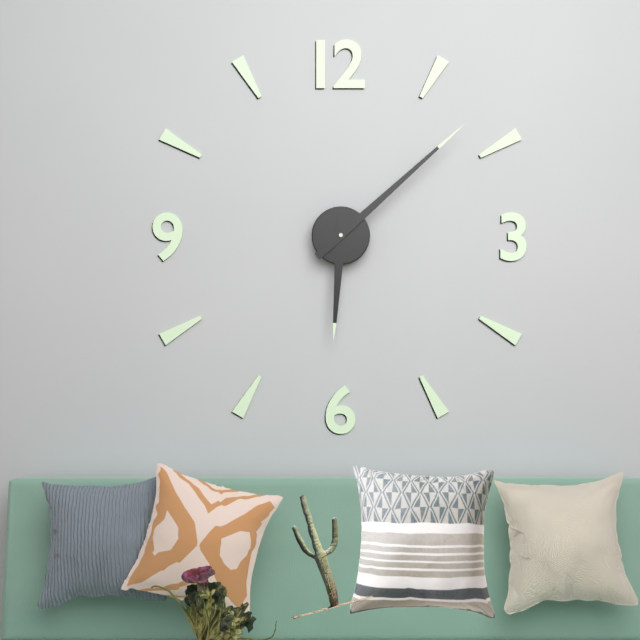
6 h 08 min
